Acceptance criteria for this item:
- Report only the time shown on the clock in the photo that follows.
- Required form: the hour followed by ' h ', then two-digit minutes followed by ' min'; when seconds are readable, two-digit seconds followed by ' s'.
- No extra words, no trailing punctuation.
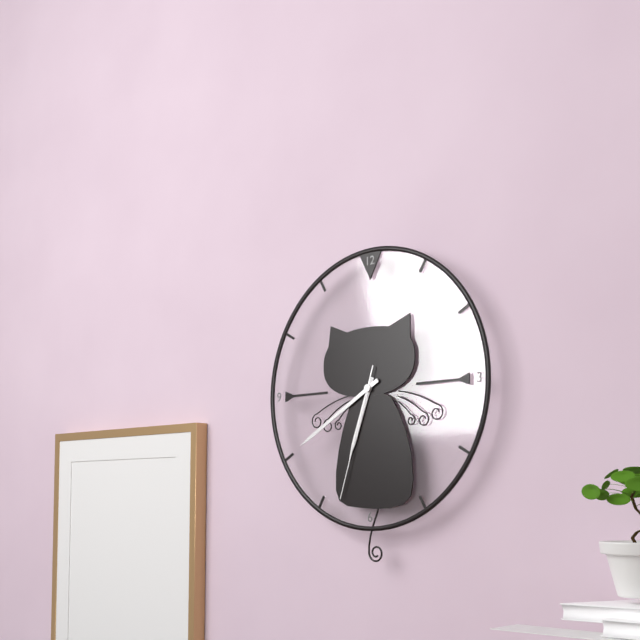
6 h 40 min 33 s
